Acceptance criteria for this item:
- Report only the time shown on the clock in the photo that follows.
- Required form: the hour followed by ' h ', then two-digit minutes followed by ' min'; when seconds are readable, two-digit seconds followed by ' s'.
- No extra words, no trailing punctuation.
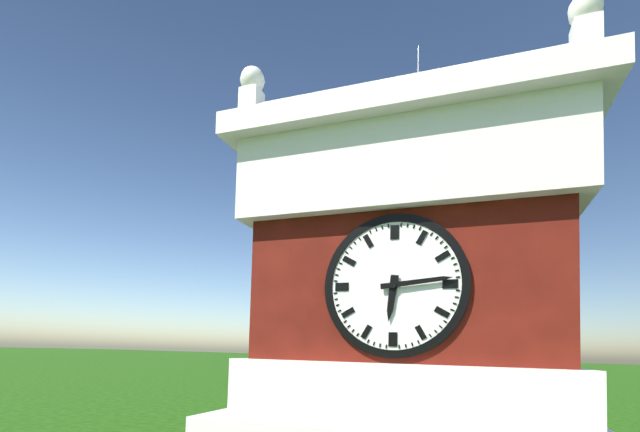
6 h 14 min
